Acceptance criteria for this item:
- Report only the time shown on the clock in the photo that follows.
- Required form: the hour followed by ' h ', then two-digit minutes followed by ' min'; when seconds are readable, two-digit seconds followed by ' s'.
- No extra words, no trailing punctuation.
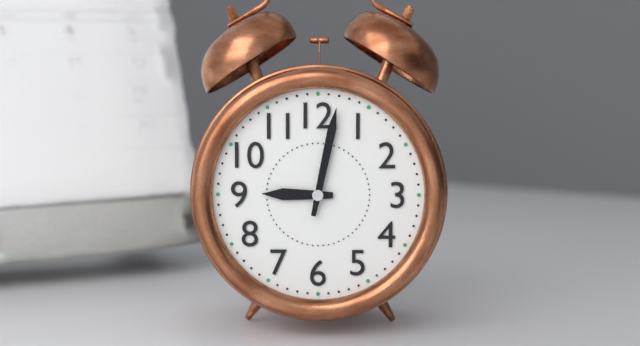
9 h 02 min
